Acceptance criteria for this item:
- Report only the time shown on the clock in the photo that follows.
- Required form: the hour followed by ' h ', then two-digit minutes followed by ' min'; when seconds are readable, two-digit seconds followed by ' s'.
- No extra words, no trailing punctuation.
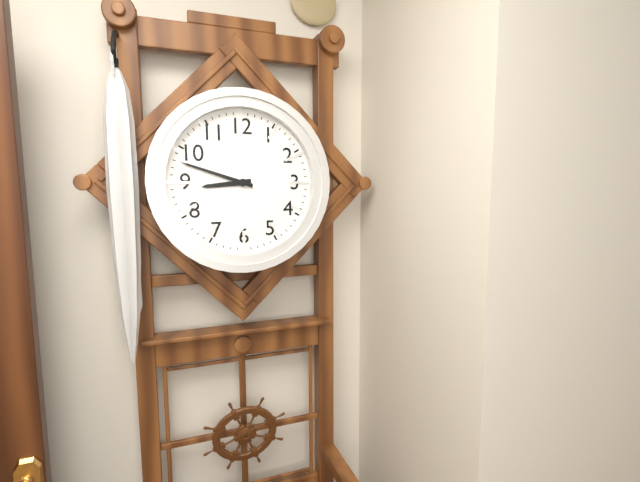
8 h 48 min
